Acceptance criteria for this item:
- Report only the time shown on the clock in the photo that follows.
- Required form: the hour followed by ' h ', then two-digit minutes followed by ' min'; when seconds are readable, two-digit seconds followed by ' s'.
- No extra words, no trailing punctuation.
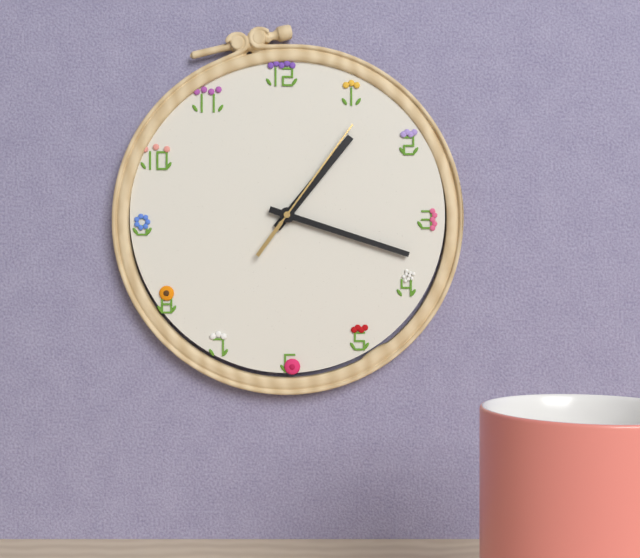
1 h 18 min 06 s
